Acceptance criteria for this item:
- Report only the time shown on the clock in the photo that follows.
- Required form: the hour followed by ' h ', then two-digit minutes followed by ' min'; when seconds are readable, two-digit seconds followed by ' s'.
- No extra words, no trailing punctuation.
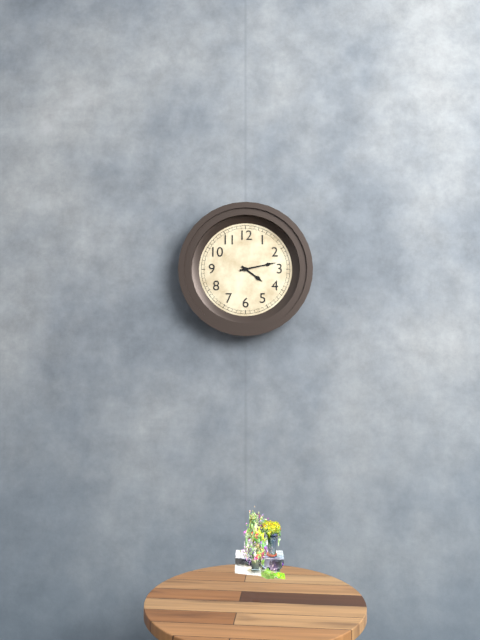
4 h 13 min
